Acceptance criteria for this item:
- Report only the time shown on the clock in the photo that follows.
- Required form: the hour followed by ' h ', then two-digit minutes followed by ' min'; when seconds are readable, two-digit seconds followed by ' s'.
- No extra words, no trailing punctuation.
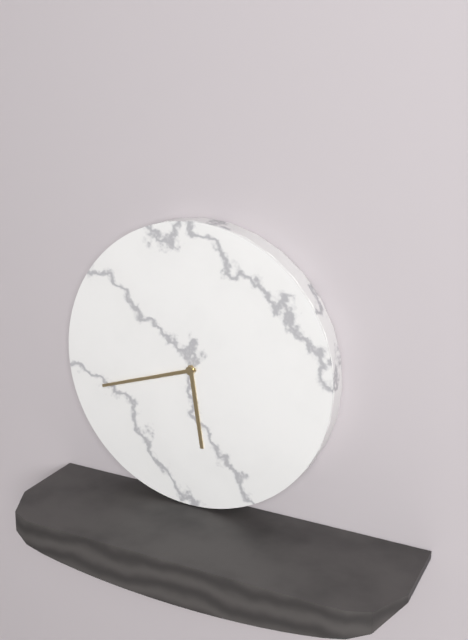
5 h 42 min
